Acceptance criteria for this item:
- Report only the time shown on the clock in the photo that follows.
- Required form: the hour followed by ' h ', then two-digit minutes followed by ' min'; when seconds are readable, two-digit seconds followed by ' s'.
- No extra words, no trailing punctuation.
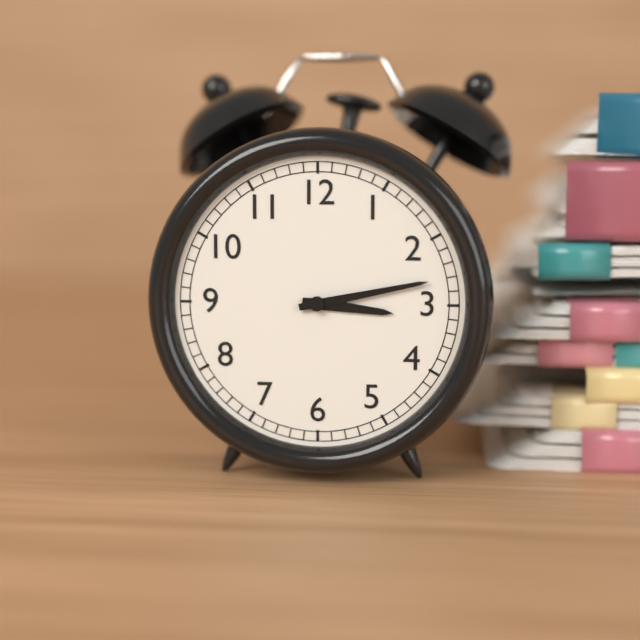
3 h 13 min
